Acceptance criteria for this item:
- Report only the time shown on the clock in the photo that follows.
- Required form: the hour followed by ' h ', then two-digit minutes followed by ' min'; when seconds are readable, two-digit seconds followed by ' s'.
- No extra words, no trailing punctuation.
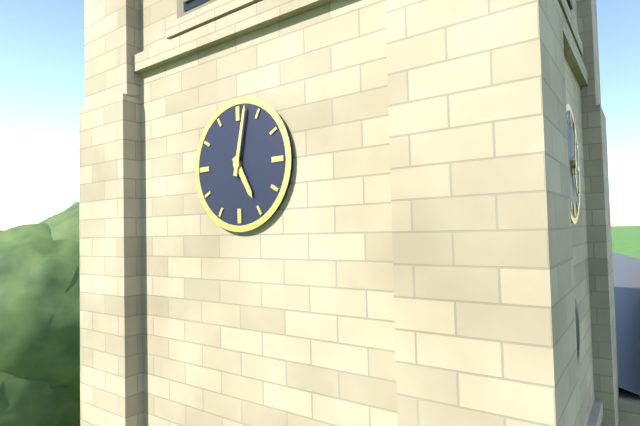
5 h 02 min
